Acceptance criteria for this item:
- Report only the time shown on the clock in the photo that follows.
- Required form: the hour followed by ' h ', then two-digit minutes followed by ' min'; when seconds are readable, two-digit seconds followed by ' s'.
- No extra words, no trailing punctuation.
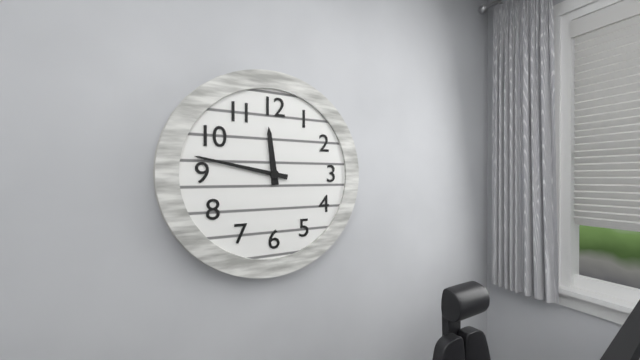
11 h 47 min
